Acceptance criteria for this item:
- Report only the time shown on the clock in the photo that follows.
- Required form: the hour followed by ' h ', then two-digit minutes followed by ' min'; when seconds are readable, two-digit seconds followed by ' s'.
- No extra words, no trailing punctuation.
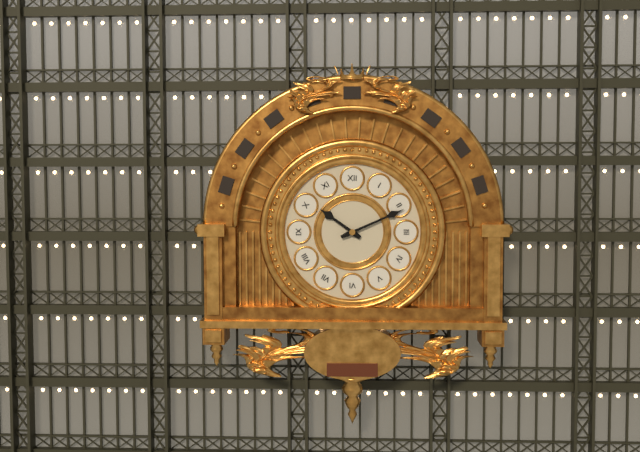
10 h 11 min
